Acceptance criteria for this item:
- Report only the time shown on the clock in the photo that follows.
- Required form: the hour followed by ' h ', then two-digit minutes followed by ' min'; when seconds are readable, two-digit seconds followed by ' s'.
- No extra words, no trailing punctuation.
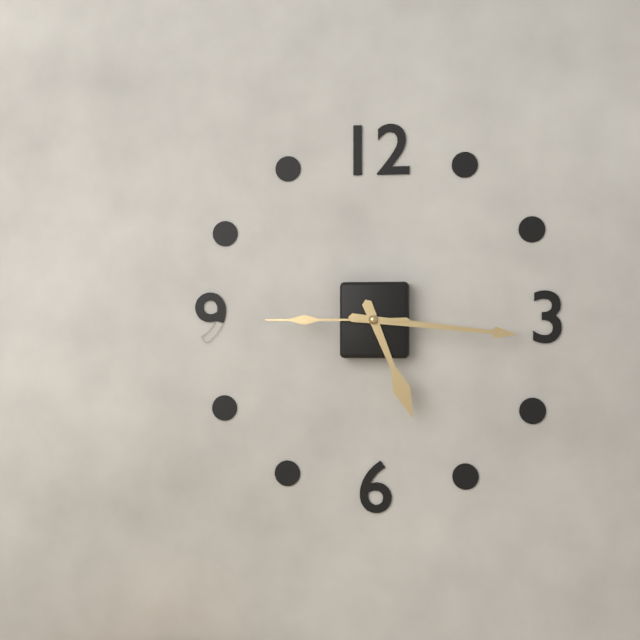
5 h 16 min 45 s
